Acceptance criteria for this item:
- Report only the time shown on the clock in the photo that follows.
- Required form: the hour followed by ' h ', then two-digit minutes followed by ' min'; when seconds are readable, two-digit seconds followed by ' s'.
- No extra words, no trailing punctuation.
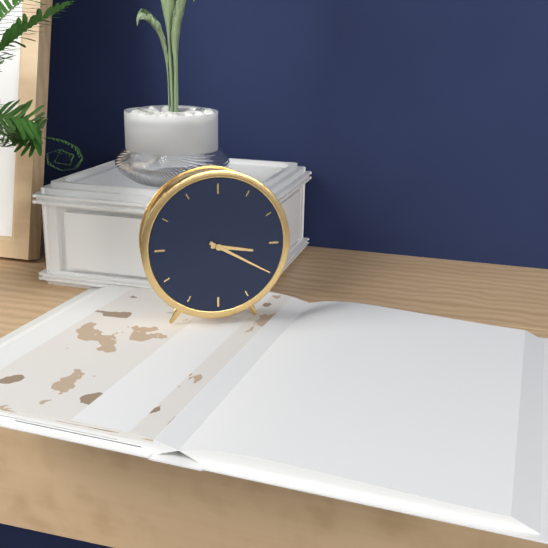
3 h 20 min
